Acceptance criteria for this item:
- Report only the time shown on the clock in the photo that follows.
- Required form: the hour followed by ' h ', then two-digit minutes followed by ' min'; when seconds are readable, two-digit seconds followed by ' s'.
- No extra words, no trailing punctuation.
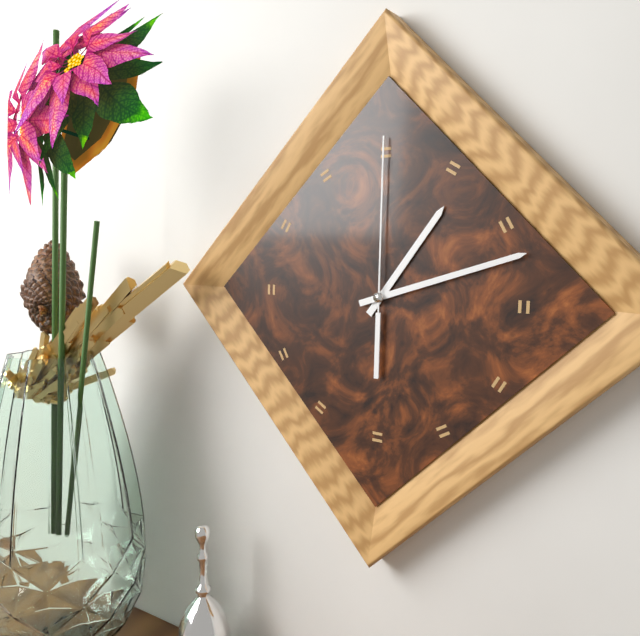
1 h 12 min 00 s
